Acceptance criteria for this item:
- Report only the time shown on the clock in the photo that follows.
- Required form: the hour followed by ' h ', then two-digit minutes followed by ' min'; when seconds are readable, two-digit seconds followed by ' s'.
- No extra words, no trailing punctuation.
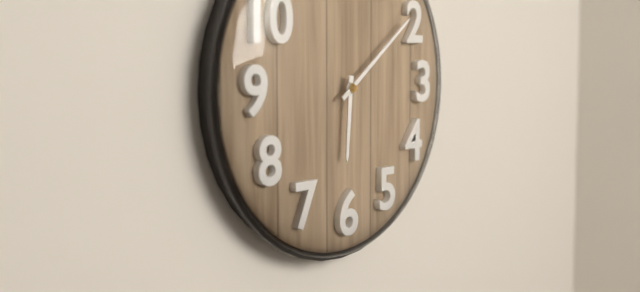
6 h 09 min
